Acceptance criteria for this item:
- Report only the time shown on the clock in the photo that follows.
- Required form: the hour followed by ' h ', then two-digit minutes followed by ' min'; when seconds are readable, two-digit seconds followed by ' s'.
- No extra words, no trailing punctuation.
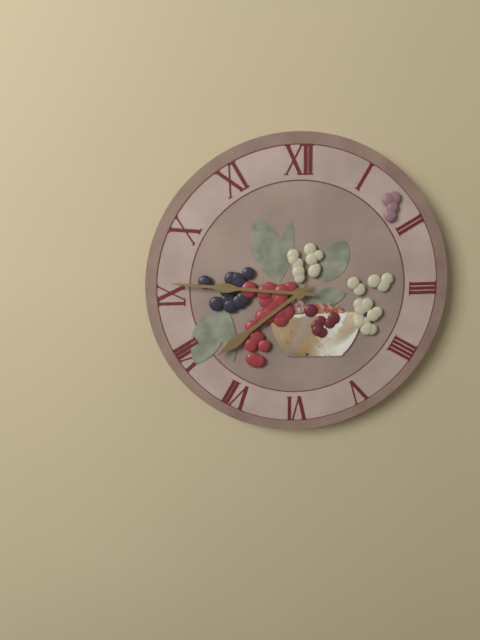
7 h 46 min
